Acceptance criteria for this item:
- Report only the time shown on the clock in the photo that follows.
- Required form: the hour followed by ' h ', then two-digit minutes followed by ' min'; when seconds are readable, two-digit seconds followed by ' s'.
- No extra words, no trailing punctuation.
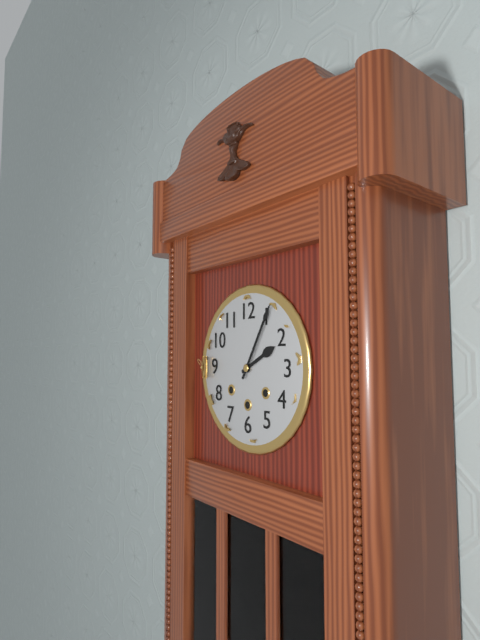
2 h 05 min
